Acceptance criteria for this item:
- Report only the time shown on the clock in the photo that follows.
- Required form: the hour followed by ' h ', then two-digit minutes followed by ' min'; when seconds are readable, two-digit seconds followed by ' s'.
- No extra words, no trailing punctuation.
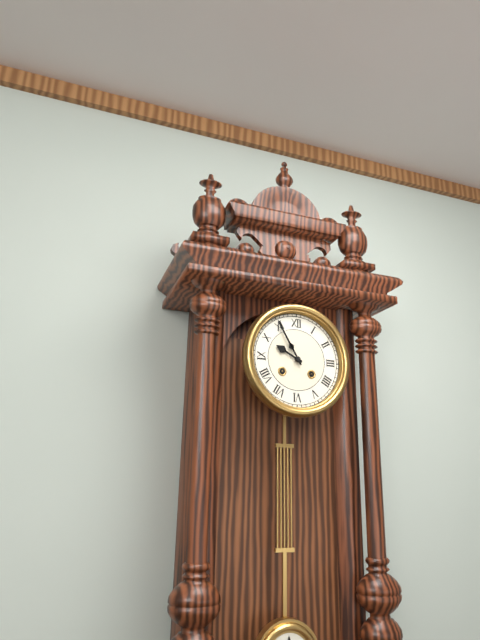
9 h 55 min
